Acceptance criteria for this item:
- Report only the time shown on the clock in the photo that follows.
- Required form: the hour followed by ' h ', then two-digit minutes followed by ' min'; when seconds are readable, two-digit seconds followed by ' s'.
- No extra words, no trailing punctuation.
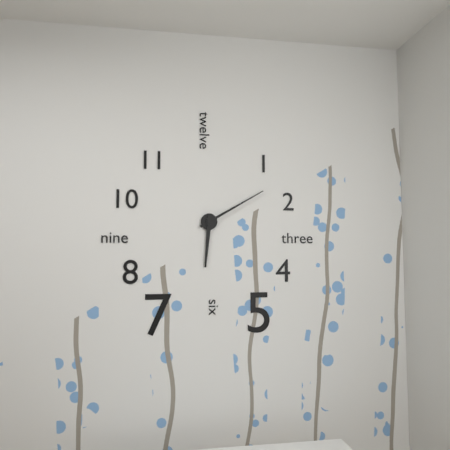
6 h 10 min
